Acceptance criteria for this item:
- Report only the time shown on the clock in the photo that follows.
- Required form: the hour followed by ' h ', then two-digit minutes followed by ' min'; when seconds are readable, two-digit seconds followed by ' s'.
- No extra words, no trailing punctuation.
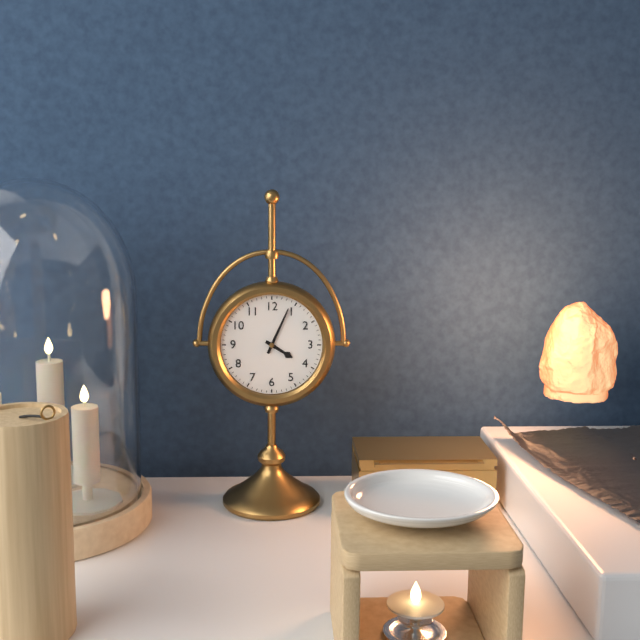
4 h 04 min
